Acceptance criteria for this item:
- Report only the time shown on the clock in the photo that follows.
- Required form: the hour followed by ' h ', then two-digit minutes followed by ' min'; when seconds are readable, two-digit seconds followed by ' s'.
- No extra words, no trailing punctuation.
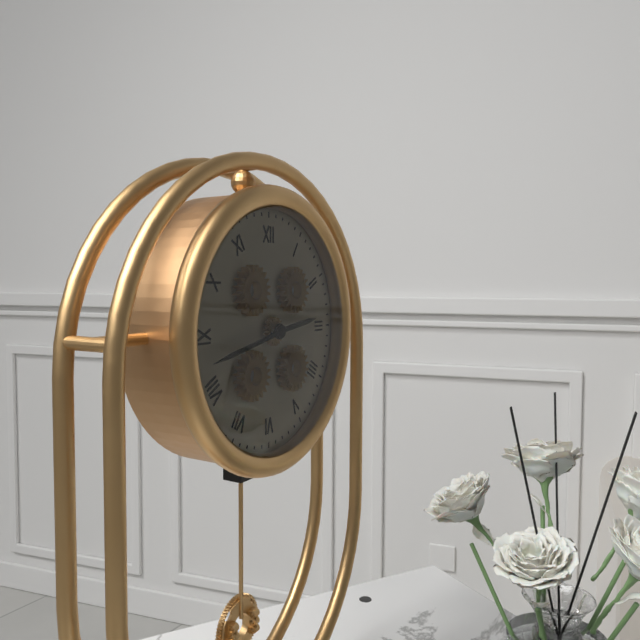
2 h 43 min
